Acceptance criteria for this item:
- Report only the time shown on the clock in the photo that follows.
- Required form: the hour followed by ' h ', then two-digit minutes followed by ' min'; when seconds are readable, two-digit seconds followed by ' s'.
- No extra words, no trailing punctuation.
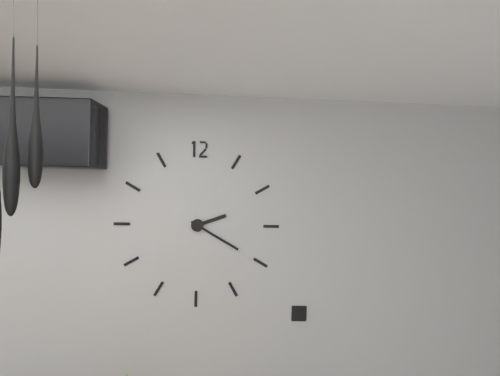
2 h 20 min
